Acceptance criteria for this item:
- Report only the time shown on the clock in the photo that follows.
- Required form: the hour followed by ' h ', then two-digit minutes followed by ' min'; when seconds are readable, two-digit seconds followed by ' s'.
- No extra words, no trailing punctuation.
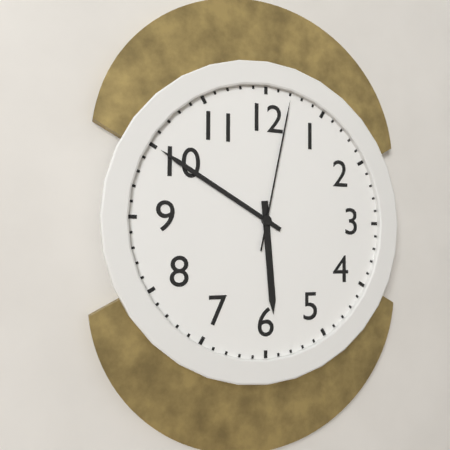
5 h 50 min 02 s
